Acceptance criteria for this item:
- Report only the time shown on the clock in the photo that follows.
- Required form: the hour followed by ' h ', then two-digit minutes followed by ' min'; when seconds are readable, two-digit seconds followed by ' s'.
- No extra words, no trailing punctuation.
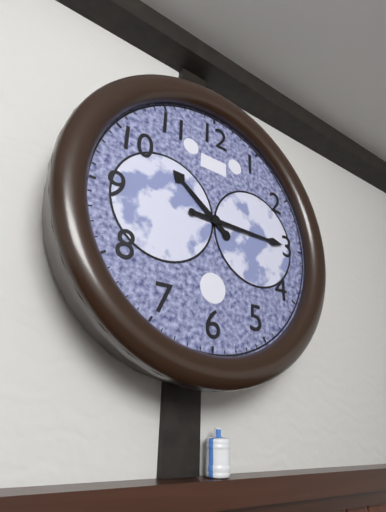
10 h 15 min
